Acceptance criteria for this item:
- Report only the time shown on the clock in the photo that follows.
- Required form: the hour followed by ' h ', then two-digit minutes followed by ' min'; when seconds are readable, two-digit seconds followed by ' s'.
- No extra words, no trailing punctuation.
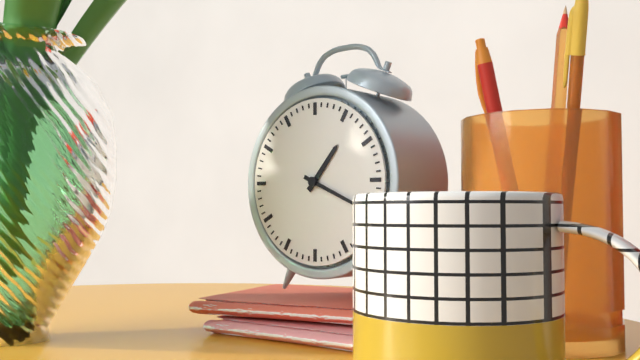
1 h 19 min
